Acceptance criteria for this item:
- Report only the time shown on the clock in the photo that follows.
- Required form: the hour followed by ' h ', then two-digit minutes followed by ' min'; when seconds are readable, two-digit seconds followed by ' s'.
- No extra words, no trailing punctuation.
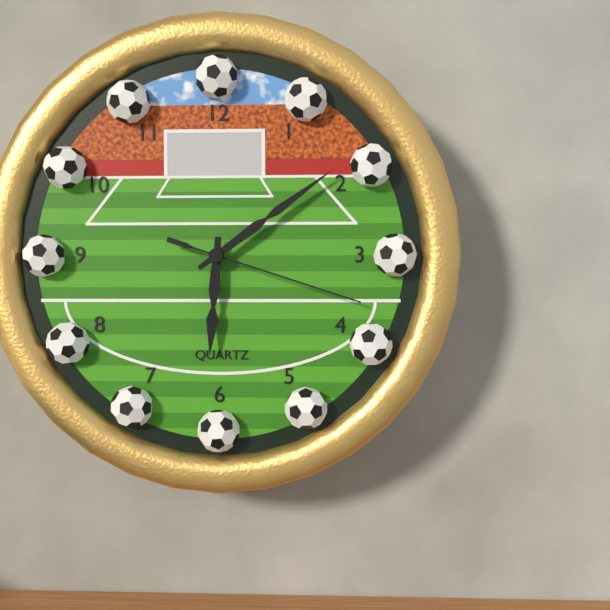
6 h 09 min 18 s
